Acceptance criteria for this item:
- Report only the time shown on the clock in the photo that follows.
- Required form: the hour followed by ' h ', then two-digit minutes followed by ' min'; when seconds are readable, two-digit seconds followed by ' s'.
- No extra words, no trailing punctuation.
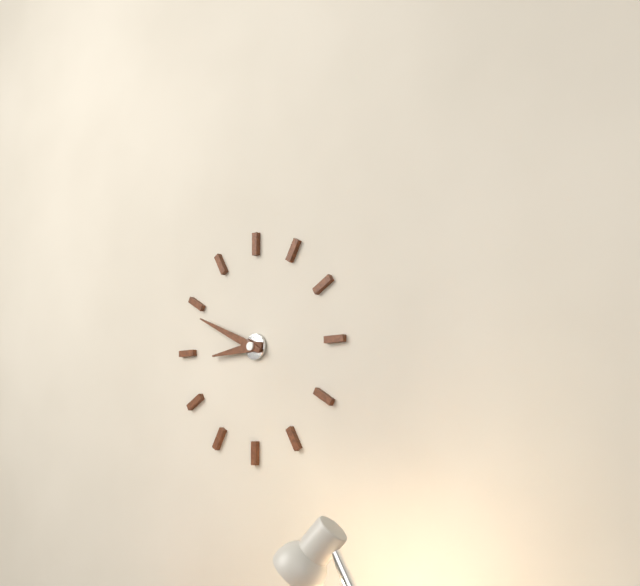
8 h 49 min
